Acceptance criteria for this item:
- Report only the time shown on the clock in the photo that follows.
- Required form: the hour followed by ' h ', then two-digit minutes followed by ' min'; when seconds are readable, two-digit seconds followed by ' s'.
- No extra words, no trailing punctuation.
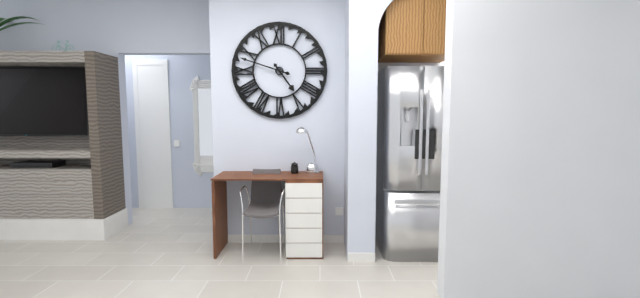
4 h 48 min
